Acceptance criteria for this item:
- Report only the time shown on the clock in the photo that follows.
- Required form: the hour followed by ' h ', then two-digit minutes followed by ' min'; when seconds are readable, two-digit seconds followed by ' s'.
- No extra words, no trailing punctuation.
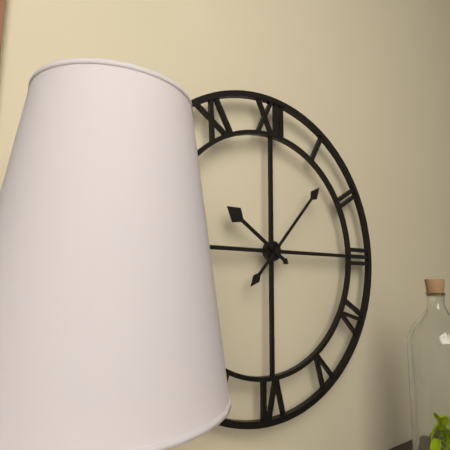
10 h 07 min
